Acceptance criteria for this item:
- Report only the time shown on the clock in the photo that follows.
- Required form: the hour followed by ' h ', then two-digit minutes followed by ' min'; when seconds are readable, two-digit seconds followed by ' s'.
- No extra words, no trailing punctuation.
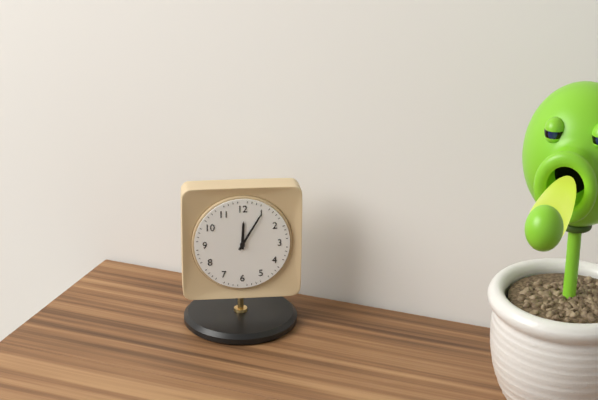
12 h 05 min
